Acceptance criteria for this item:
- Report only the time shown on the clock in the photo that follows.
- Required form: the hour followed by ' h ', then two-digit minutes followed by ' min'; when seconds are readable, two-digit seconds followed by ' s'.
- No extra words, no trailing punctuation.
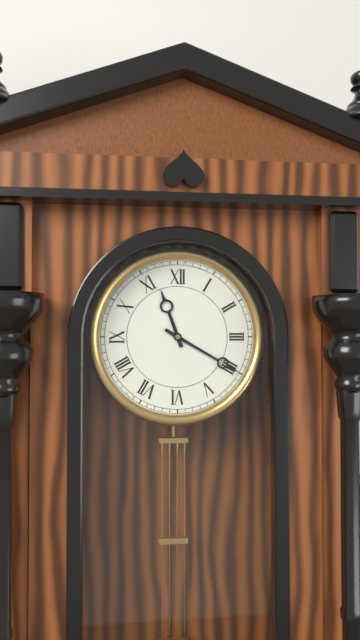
11 h 20 min
